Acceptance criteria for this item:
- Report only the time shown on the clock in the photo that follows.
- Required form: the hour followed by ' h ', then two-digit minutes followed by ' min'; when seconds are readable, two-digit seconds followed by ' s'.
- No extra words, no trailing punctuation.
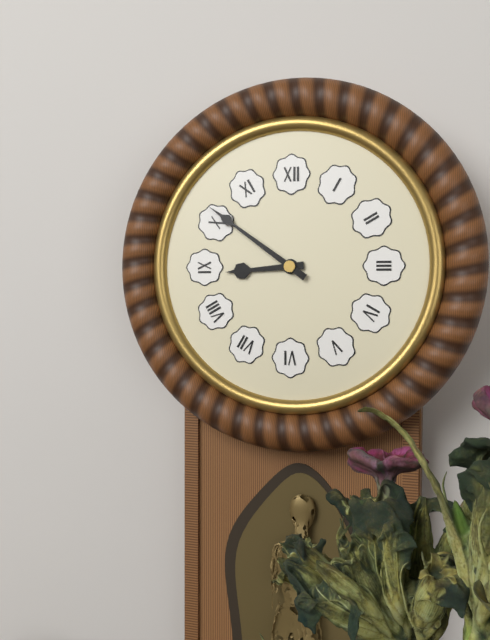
8 h 51 min
